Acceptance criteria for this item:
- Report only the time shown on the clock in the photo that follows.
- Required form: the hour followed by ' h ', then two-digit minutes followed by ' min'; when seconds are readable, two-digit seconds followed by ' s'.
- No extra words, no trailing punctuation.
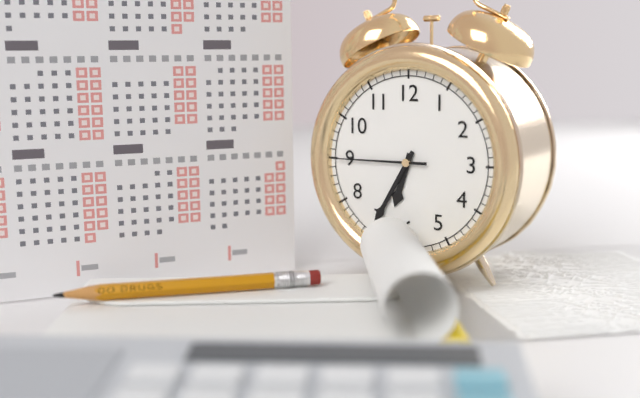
6 h 35 min 45 s
